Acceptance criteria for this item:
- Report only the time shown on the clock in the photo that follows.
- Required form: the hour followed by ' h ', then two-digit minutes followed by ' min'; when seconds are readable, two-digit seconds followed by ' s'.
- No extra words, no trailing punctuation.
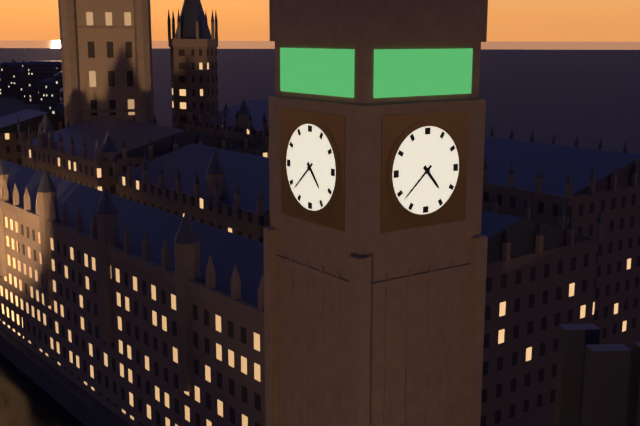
4 h 38 min
